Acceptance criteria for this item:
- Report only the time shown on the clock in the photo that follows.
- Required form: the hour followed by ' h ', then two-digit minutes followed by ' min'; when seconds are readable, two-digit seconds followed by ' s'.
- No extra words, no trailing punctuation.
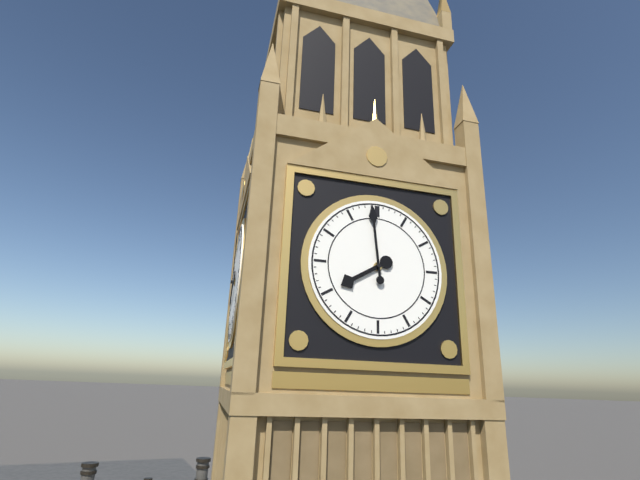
7 h 59 min
